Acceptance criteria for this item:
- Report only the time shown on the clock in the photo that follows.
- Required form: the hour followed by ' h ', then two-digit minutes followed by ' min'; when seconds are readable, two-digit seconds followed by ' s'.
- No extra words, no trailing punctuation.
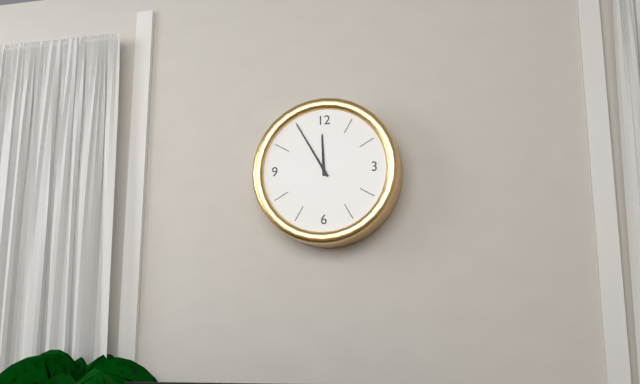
11 h 55 min
